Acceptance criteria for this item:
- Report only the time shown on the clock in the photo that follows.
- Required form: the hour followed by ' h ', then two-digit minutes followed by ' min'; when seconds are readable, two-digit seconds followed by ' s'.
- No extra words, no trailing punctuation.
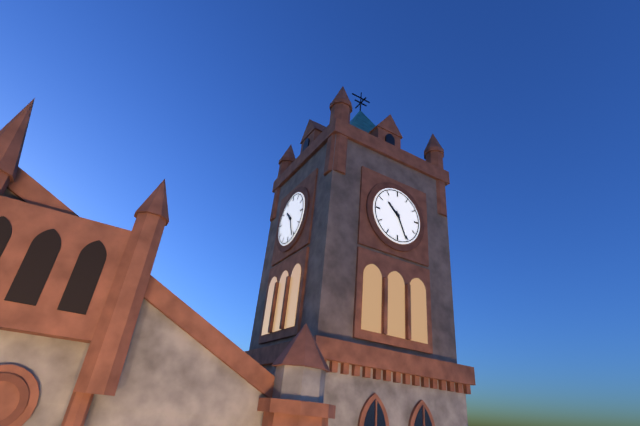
10 h 26 min
